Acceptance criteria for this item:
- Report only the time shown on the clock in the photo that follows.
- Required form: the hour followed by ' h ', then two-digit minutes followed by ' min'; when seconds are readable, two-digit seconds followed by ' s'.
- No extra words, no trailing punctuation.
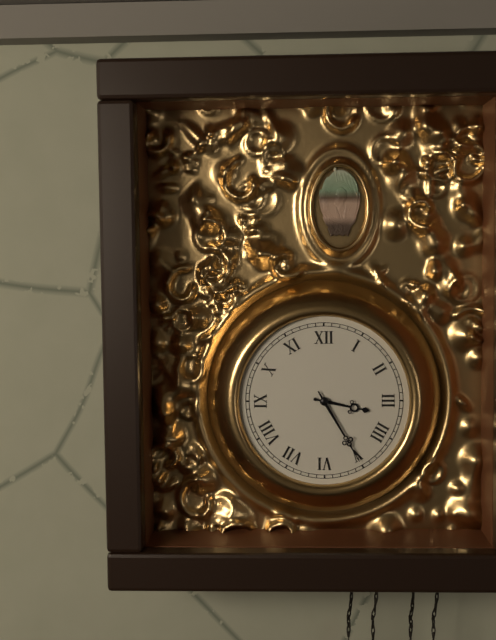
3 h 25 min
